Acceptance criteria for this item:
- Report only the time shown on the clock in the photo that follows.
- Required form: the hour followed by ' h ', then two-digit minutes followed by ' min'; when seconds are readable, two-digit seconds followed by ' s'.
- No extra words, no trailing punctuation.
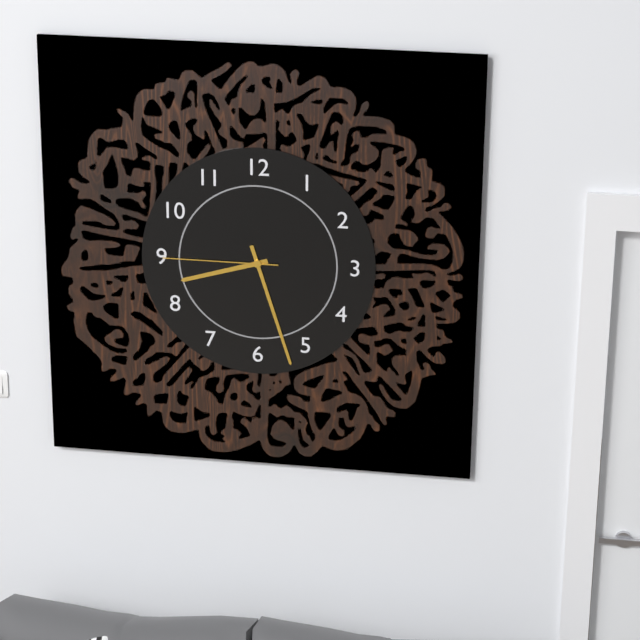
8 h 27 min 45 s
